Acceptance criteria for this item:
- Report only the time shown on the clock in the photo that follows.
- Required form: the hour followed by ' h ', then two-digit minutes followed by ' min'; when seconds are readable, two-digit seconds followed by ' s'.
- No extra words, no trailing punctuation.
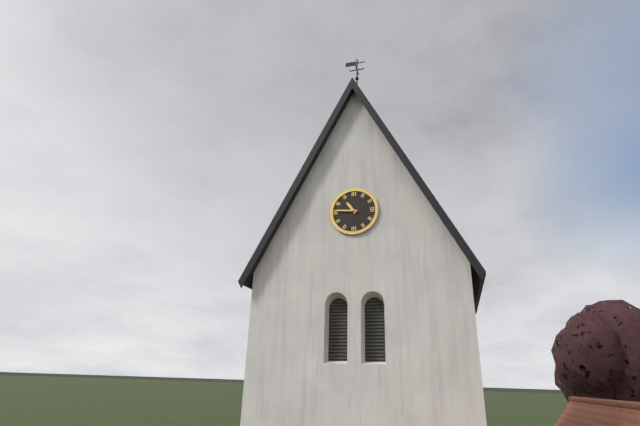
10 h 46 min
